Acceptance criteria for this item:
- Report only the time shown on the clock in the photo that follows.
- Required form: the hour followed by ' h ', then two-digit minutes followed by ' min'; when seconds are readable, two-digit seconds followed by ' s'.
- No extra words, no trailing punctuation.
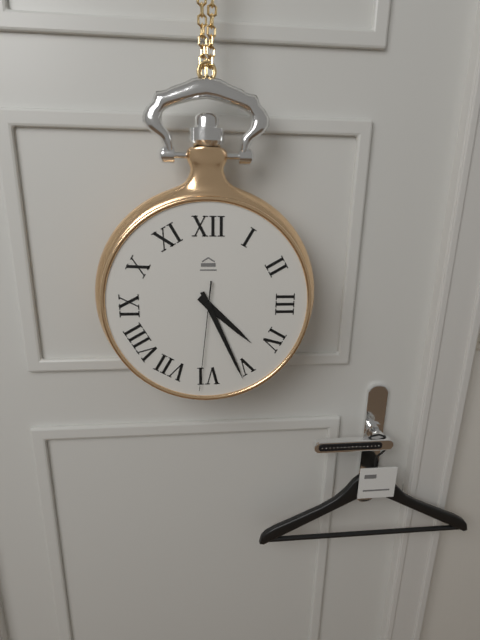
4 h 26 min 31 s
